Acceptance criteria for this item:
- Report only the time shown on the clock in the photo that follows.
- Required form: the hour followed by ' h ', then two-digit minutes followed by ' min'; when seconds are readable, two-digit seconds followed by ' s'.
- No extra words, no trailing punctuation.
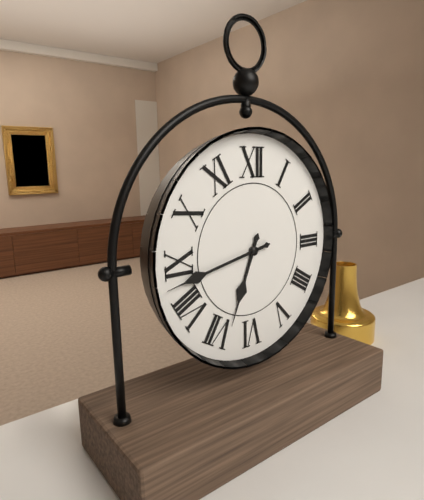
6 h 43 min
